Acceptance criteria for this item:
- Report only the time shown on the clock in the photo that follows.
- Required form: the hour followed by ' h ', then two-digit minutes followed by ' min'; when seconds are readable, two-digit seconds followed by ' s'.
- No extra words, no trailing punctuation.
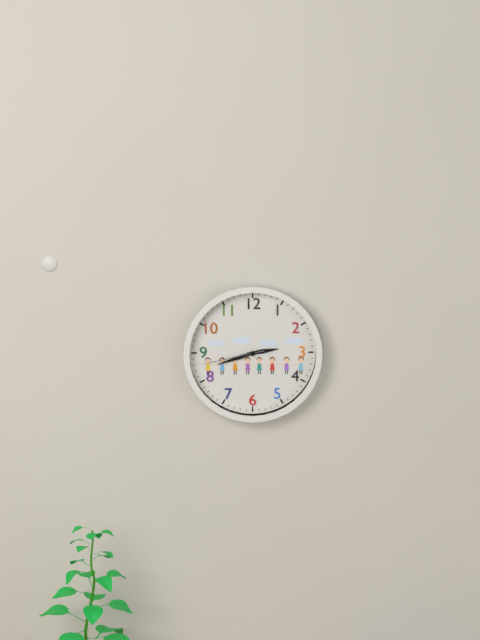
2 h 42 min 43 s
